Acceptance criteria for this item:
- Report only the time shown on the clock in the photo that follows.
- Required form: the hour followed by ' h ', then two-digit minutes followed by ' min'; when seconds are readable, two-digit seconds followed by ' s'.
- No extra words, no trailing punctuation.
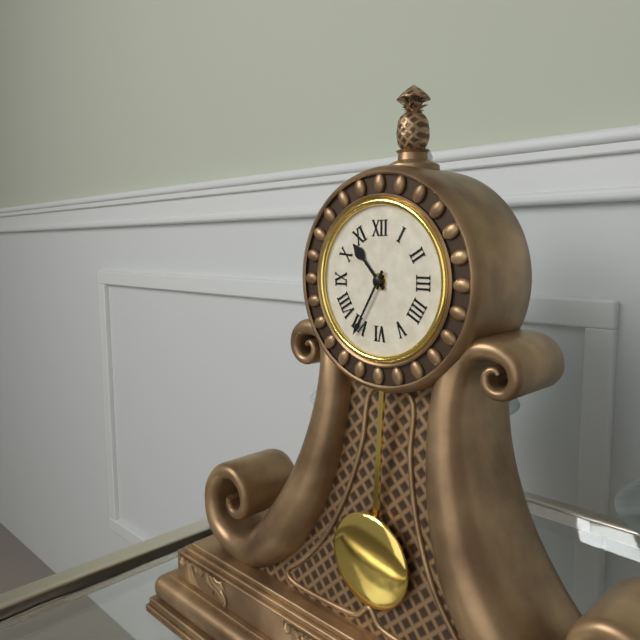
10 h 35 min
